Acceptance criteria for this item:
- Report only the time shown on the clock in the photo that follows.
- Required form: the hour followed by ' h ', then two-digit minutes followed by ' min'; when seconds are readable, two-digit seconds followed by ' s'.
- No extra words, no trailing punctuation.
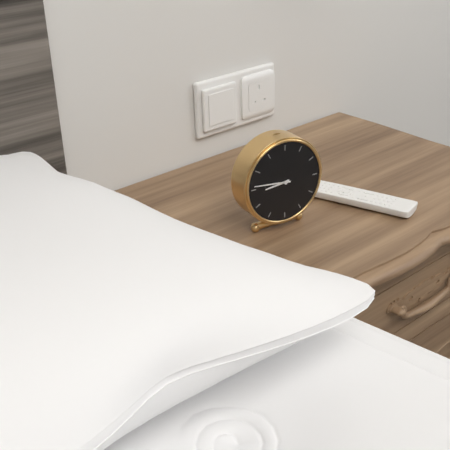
8 h 46 min
